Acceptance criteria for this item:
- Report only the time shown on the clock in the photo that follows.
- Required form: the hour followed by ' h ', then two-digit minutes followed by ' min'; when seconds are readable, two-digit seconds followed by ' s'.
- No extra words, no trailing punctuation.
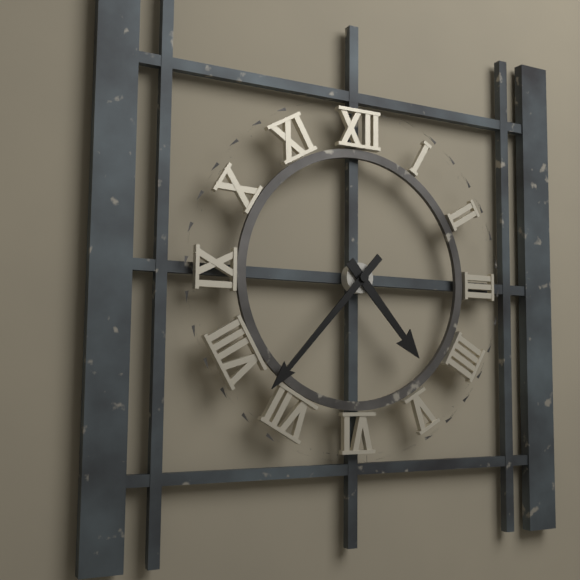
4 h 37 min
